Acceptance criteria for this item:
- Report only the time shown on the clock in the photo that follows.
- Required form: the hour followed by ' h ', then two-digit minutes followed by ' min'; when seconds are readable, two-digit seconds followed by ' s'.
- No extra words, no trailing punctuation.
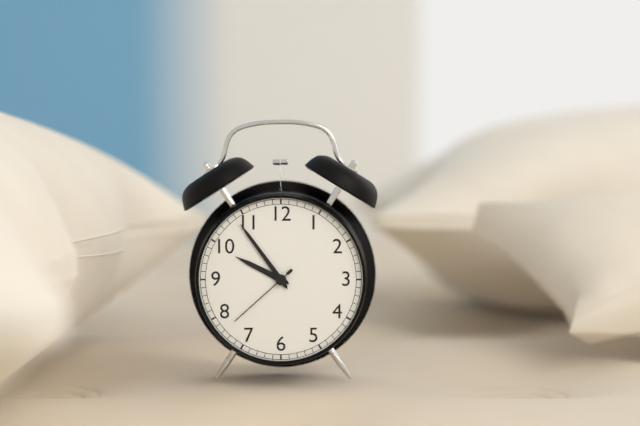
9 h 54 min 38 s
